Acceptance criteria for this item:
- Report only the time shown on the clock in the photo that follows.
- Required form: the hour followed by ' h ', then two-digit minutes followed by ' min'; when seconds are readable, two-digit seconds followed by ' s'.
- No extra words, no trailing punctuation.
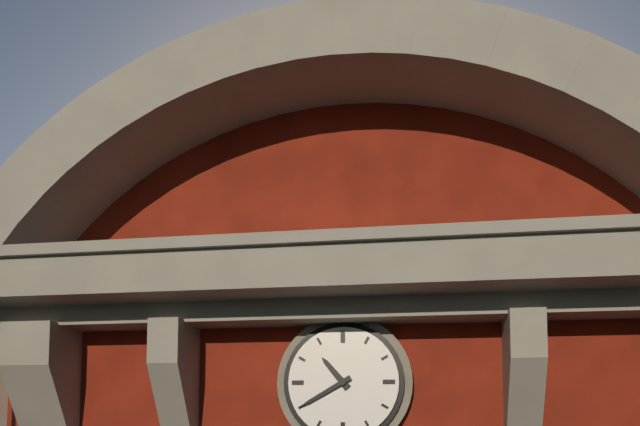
10 h 40 min
